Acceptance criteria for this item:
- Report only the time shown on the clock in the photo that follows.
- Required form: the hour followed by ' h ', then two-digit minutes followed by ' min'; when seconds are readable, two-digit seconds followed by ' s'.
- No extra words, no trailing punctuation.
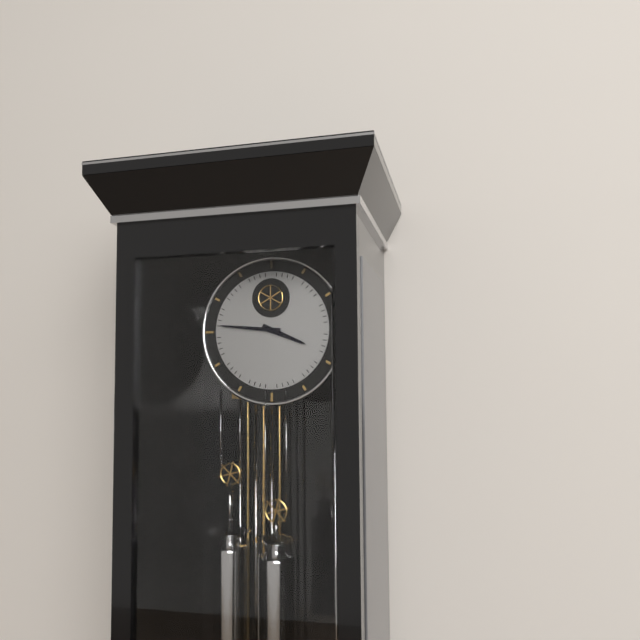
3 h 46 min
